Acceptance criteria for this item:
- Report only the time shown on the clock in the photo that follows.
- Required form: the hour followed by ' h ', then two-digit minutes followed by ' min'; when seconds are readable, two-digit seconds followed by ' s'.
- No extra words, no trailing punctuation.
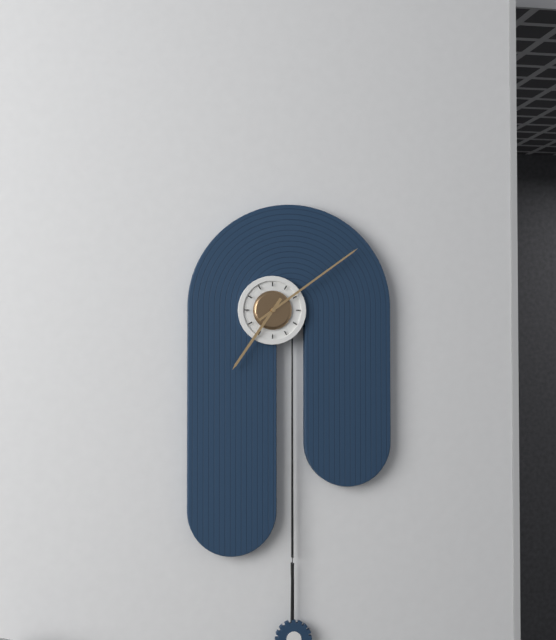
7 h 09 min
